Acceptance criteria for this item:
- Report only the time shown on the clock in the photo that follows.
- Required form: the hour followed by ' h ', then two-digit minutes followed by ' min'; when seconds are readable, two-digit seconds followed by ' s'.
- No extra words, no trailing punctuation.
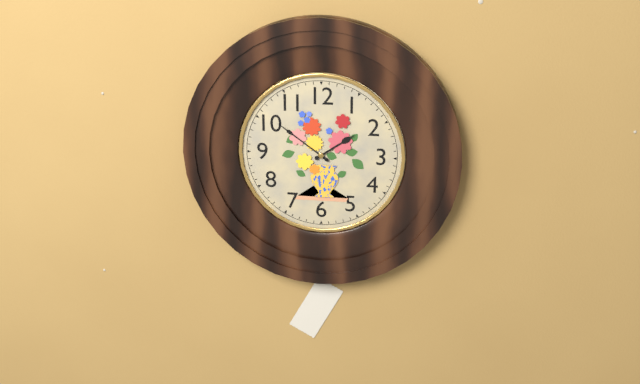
1 h 51 min
